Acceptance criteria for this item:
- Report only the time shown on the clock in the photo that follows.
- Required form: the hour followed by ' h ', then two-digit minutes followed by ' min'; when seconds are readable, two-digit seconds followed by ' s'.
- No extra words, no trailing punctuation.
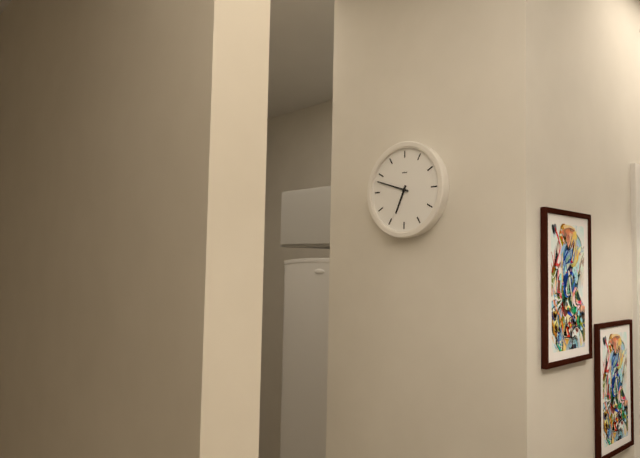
6 h 48 min
